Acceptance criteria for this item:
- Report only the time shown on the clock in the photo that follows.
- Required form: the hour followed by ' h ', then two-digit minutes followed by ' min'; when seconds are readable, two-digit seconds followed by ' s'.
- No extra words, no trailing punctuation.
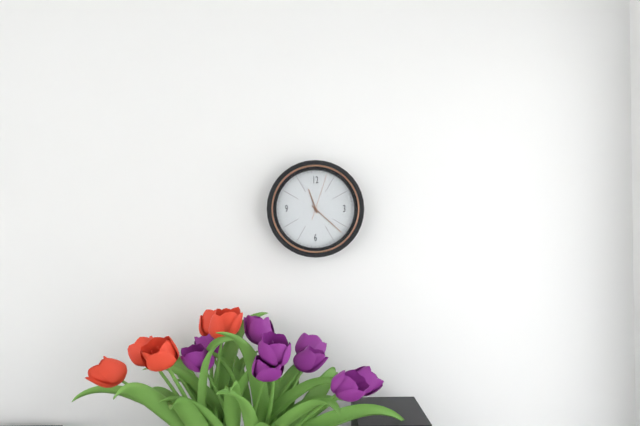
11 h 22 min
